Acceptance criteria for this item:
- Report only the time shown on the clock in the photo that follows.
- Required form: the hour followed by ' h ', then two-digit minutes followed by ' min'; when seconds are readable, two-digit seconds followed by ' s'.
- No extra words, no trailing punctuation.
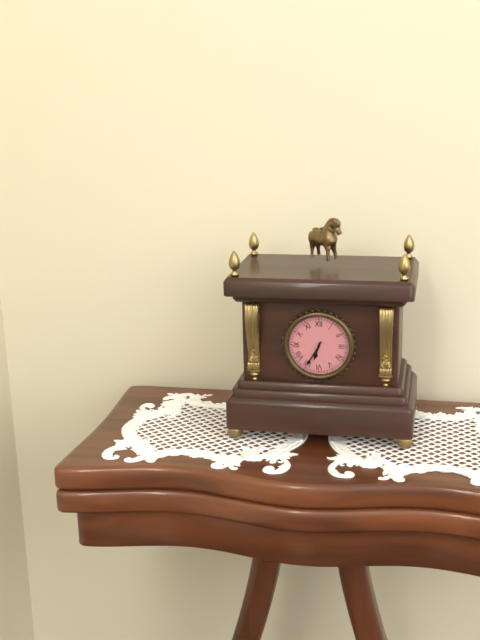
6 h 35 min
